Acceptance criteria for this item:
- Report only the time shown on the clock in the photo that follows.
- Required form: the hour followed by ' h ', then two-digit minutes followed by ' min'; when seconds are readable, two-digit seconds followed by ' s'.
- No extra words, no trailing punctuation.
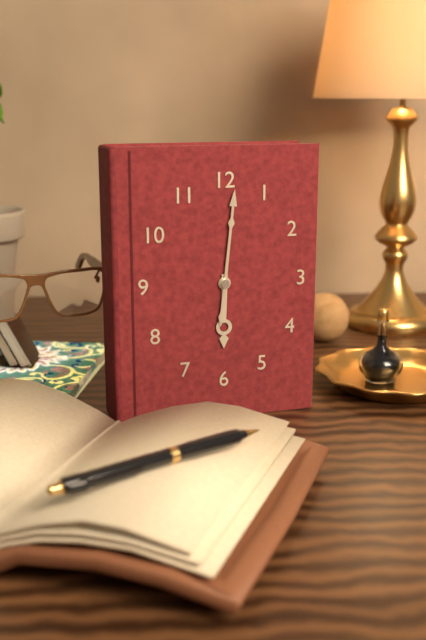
6 h 01 min
